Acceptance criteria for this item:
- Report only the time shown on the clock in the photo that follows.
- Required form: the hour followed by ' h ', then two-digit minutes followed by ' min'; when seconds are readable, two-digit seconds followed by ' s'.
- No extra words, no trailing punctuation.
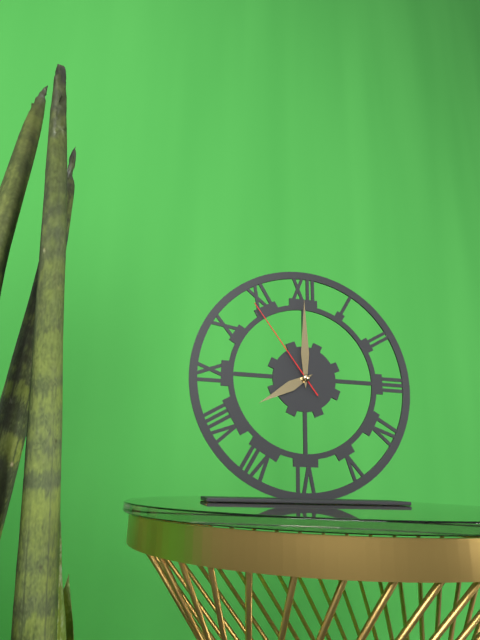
8 h 00 min 54 s
